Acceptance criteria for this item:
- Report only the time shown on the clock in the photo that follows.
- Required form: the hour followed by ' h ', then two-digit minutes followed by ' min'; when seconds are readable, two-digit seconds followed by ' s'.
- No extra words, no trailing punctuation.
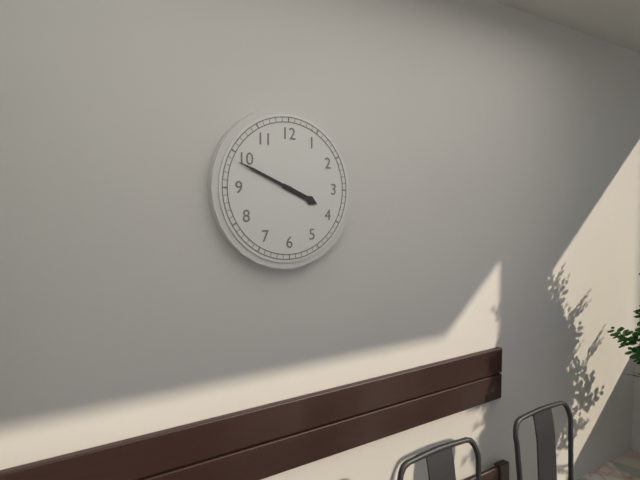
3 h 49 min
